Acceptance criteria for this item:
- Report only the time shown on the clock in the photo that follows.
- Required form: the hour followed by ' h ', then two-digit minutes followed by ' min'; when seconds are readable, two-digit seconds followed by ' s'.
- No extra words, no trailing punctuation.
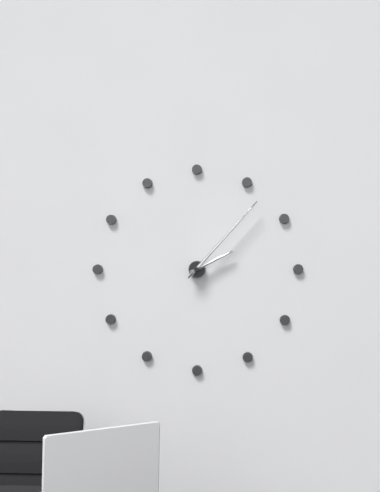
2 h 07 min
